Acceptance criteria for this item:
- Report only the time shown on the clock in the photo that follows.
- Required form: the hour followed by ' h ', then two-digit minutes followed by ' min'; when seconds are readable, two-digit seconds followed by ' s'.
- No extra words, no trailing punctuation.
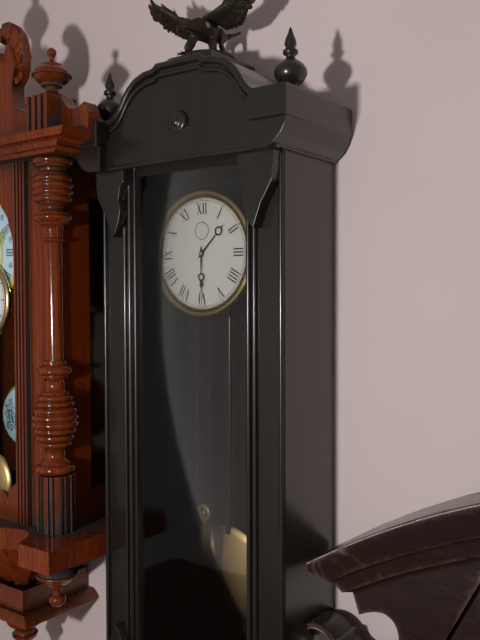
1 h 30 min
